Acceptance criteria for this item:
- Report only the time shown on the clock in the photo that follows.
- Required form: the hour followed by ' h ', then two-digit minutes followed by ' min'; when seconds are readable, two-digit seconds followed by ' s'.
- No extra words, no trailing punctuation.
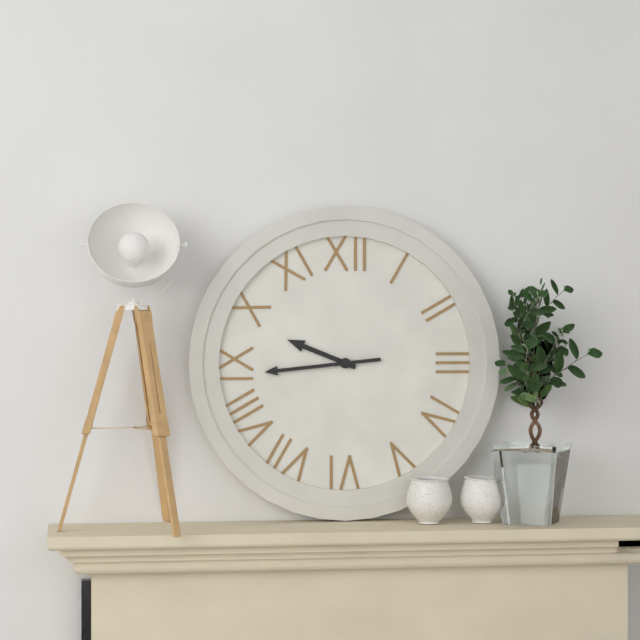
9 h 44 min
